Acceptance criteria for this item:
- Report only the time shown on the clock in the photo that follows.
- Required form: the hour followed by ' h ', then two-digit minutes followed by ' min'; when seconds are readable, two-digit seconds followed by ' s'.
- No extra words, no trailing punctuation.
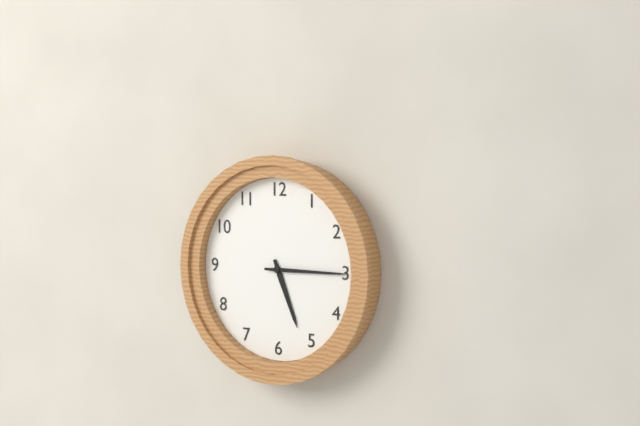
5 h 15 min
